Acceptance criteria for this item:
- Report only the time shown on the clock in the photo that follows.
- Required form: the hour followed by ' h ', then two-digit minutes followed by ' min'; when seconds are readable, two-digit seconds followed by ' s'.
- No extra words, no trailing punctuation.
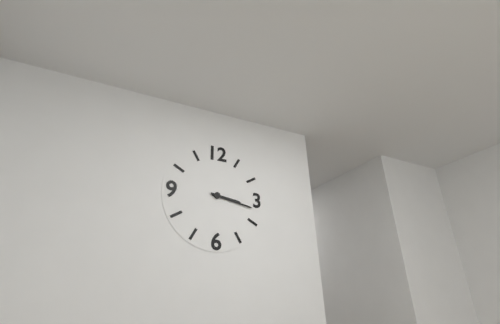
3 h 17 min
